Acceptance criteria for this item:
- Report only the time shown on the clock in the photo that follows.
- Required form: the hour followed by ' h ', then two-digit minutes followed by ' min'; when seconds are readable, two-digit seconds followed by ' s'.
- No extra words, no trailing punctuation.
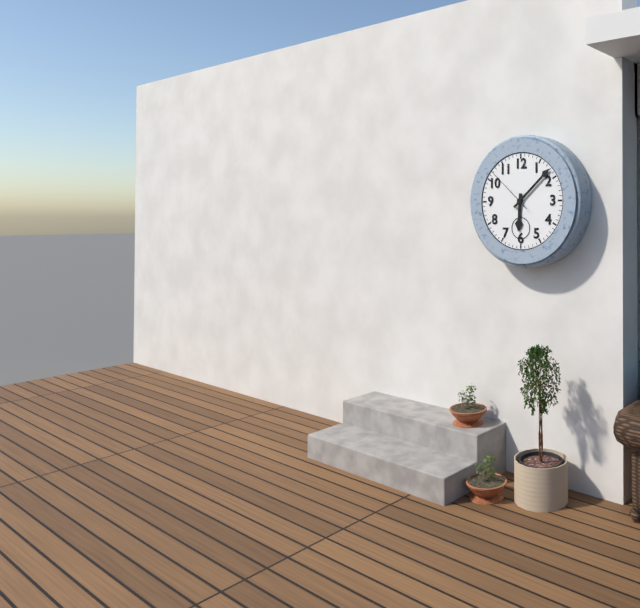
6 h 08 min 52 s
